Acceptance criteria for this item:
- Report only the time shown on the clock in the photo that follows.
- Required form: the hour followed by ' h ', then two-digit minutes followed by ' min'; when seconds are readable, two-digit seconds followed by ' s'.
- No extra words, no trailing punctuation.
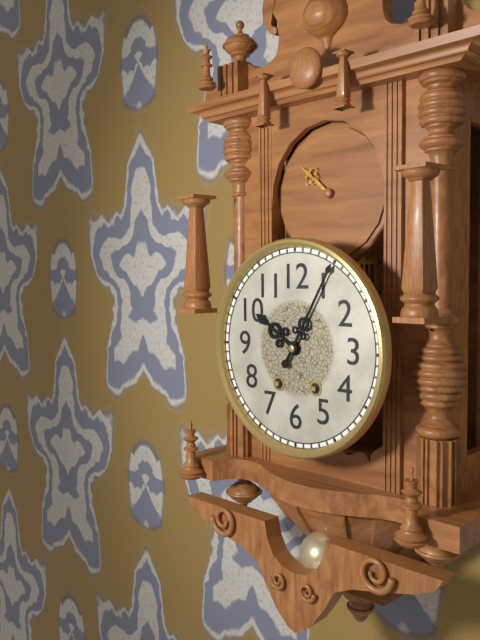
10 h 05 min
